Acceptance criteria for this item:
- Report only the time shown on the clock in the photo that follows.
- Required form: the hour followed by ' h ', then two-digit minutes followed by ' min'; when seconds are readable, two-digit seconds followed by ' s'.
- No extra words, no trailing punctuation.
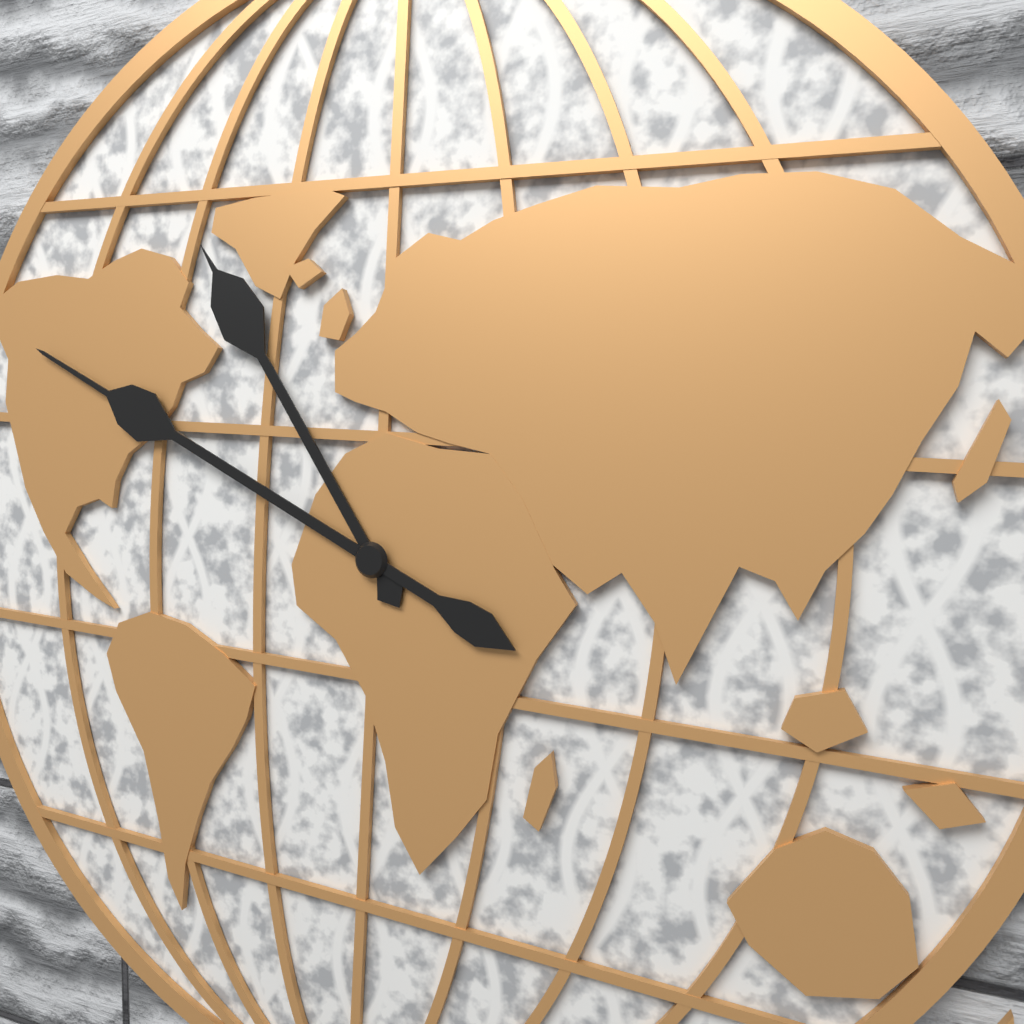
10 h 49 min
